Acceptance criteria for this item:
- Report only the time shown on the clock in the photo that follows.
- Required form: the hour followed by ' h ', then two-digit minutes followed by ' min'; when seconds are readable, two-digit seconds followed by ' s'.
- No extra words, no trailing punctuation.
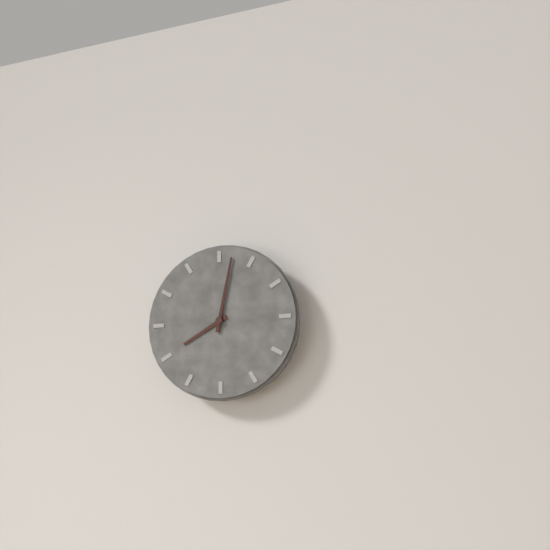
8 h 02 min
